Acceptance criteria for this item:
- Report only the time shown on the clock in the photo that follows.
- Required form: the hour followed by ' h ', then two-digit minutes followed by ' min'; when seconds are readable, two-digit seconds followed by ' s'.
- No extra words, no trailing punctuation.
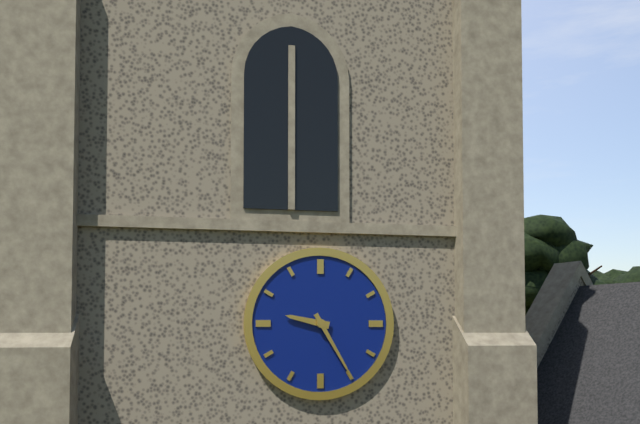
9 h 25 min
